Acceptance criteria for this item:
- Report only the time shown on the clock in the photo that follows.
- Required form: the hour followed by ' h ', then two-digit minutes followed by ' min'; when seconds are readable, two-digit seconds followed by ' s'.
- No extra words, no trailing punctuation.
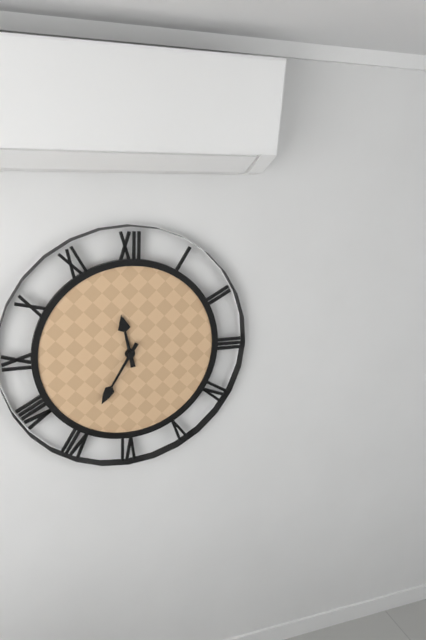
11 h 35 min
